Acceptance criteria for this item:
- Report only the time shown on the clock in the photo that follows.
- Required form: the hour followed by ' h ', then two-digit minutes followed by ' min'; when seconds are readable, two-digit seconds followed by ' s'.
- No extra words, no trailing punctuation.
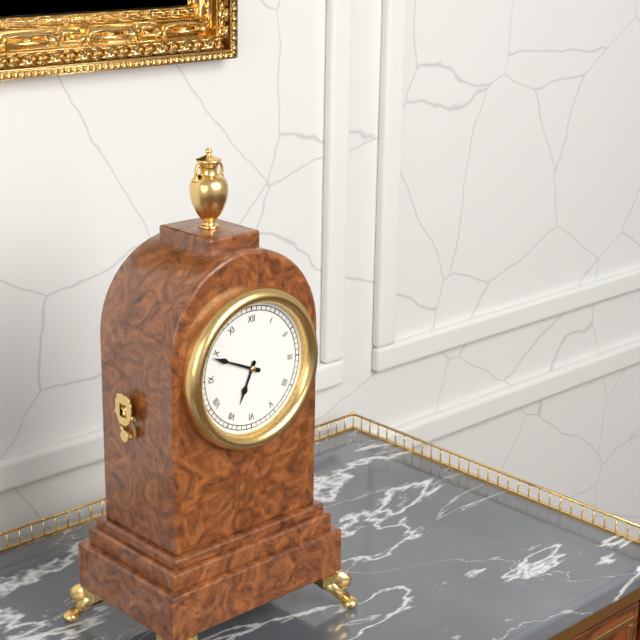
6 h 49 min
